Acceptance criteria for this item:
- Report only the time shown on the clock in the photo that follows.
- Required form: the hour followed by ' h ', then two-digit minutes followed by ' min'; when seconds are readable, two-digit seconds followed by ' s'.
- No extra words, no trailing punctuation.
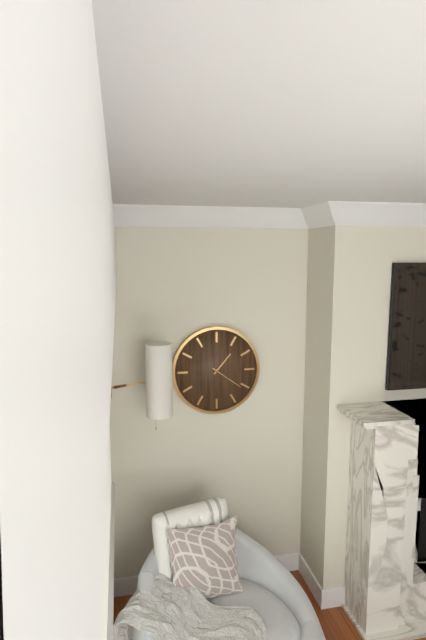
1 h 21 min
